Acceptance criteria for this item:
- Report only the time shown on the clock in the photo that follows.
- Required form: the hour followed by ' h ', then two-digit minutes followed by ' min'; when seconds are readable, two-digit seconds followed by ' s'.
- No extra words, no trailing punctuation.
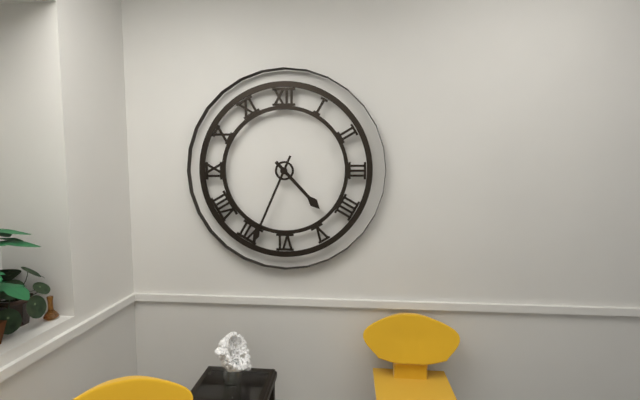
4 h 34 min
